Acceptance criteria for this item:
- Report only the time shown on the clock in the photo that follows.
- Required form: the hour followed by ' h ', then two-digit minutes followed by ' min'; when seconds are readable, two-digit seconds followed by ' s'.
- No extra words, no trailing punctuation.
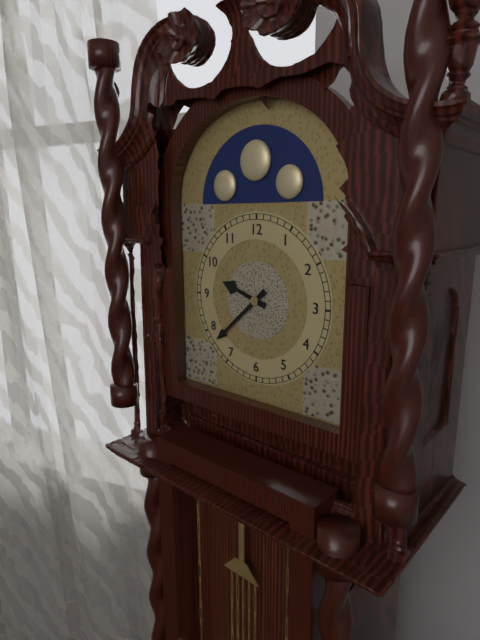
9 h 38 min
